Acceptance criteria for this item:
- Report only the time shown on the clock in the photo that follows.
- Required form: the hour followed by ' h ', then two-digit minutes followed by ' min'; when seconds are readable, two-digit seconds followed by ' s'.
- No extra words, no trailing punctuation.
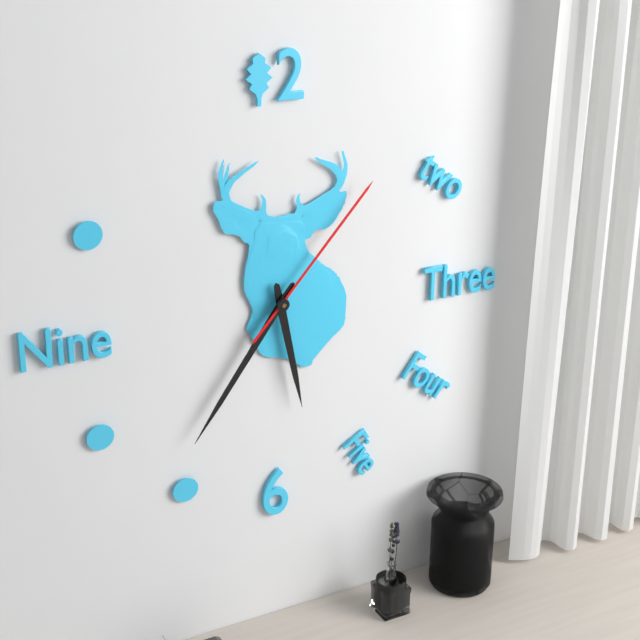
5 h 36 min 07 s
